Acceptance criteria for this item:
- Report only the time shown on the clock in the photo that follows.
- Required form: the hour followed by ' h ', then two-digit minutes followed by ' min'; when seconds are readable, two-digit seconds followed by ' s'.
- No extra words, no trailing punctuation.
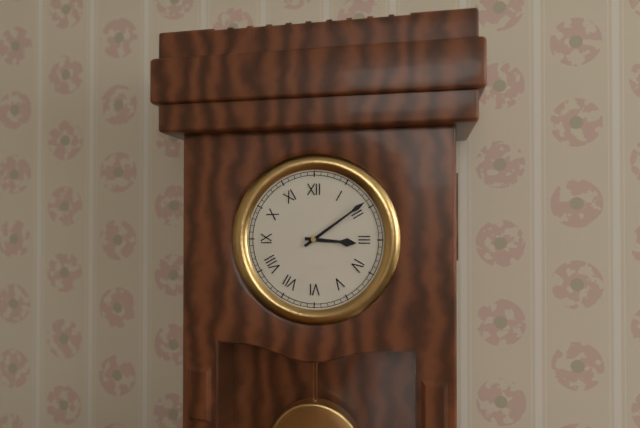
3 h 09 min
